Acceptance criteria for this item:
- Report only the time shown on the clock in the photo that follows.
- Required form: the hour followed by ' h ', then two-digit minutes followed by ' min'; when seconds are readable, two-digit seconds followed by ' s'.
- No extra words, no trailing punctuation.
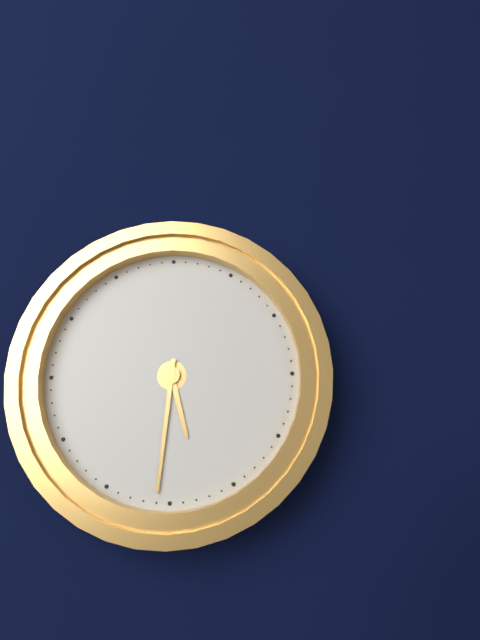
5 h 31 min
